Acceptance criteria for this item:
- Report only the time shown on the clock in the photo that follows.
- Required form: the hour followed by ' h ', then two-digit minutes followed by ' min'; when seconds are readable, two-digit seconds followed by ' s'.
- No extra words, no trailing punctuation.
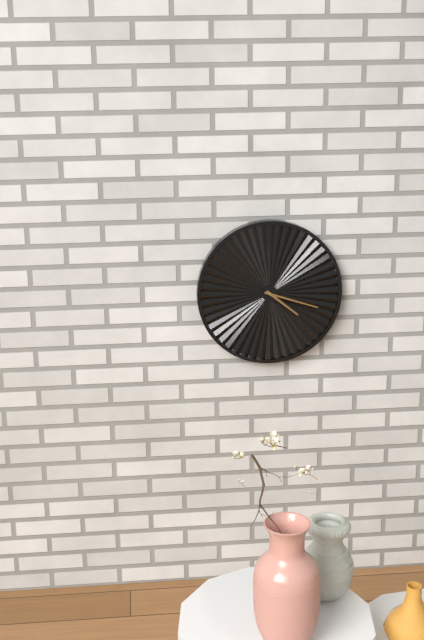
4 h 18 min
